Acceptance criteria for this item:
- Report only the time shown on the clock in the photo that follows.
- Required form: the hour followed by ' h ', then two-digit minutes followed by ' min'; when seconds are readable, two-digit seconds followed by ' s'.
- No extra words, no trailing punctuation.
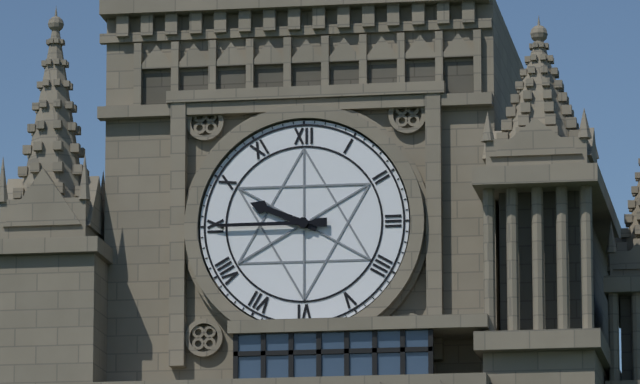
9 h 45 min
